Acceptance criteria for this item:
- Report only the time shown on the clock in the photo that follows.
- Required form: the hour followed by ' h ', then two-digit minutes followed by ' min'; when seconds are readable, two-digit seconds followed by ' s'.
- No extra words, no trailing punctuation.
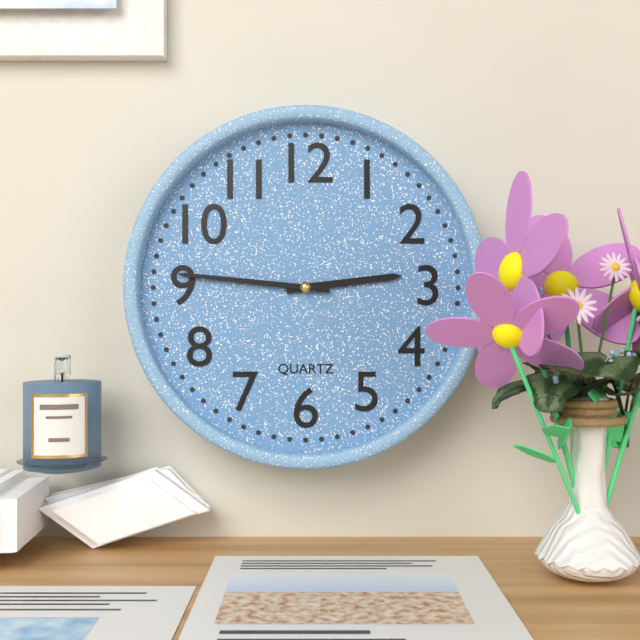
2 h 46 min
